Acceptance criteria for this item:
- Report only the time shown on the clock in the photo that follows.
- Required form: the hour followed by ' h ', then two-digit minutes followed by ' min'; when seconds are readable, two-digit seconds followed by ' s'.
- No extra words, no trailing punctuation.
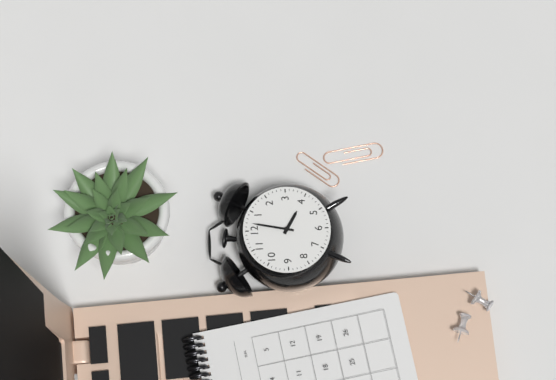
4 h 02 min
